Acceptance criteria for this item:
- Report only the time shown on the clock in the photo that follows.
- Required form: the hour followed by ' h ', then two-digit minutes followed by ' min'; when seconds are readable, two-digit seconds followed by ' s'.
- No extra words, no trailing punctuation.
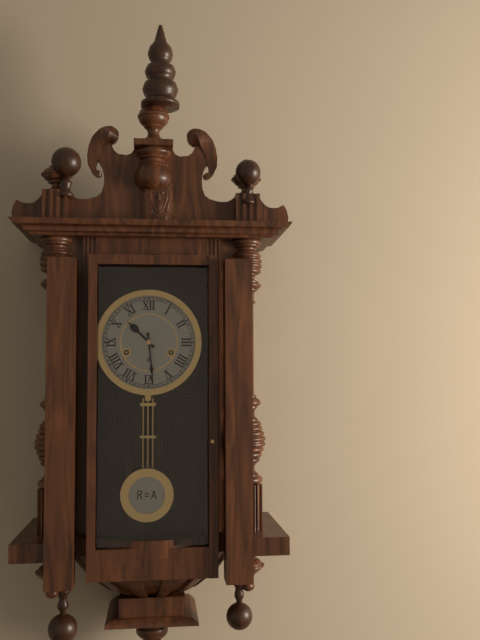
10 h 29 min
